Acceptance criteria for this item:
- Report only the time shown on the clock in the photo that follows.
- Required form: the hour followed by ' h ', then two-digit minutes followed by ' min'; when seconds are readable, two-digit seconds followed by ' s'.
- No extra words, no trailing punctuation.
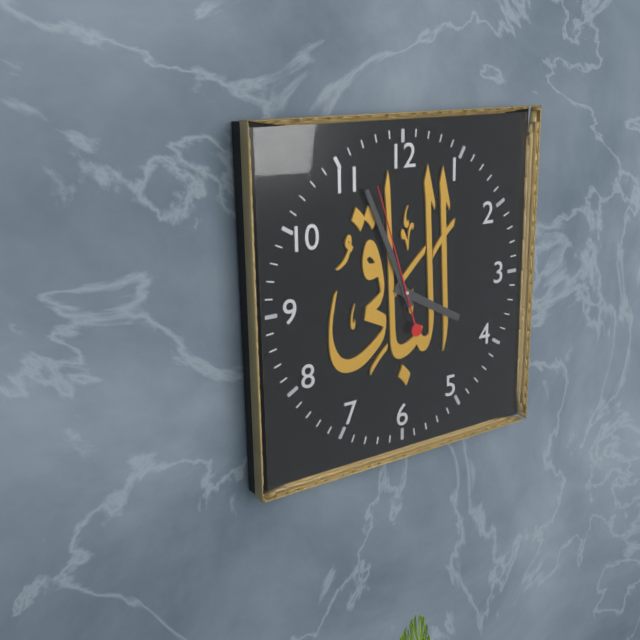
3 h 56 min 57 s
